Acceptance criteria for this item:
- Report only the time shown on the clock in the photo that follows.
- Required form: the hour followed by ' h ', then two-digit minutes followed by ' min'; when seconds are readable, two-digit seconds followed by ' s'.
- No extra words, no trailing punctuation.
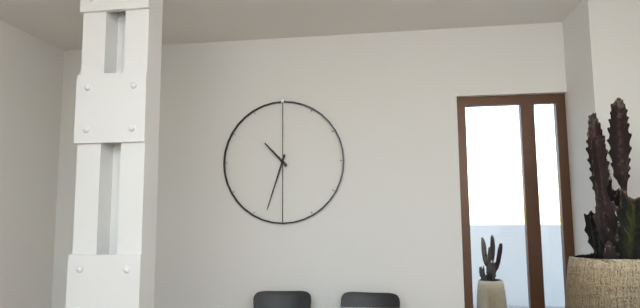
10 h 33 min
